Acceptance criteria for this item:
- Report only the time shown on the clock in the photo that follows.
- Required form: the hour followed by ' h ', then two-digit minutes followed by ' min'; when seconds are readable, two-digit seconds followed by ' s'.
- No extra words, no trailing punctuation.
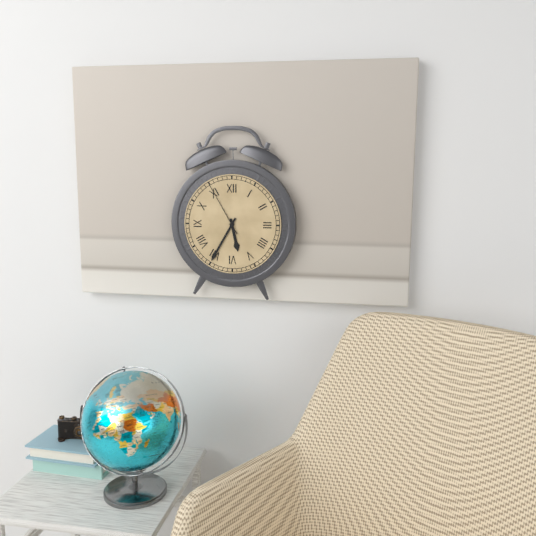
5 h 35 min 55 s
